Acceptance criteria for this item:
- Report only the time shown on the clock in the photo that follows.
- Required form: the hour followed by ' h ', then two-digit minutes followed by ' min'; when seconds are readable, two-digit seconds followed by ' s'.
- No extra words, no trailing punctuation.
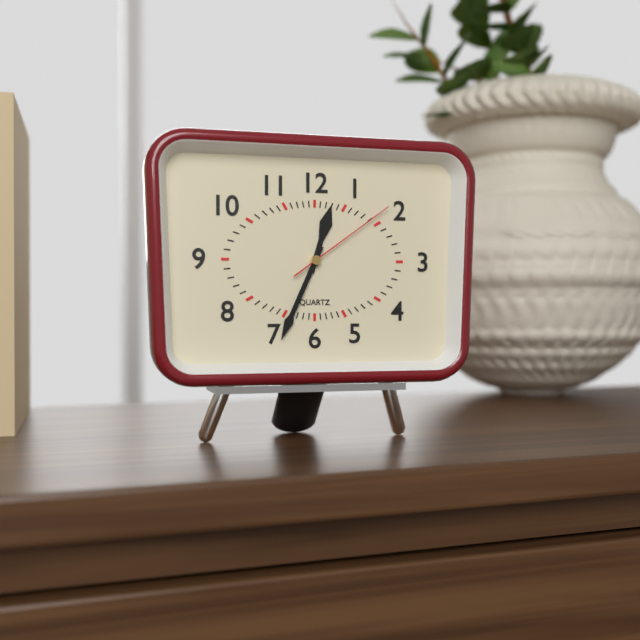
12 h 34 min 09 s
